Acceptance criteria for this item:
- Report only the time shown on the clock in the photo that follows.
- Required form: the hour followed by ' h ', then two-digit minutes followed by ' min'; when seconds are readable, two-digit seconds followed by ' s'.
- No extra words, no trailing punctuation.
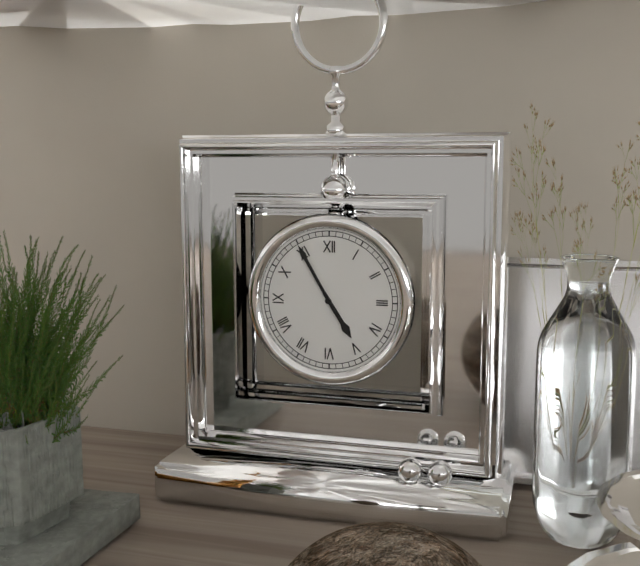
4 h 55 min
